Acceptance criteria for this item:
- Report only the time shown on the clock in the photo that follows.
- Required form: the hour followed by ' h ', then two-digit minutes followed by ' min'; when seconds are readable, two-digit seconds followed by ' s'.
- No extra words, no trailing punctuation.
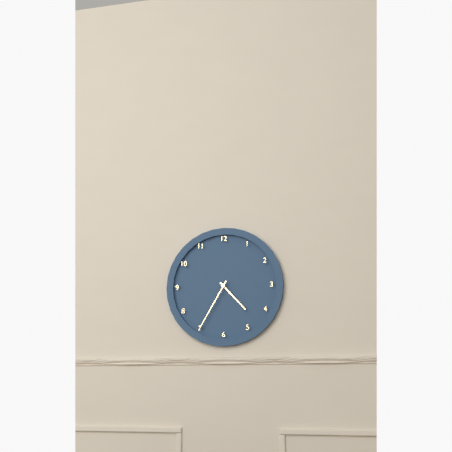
4 h 35 min
